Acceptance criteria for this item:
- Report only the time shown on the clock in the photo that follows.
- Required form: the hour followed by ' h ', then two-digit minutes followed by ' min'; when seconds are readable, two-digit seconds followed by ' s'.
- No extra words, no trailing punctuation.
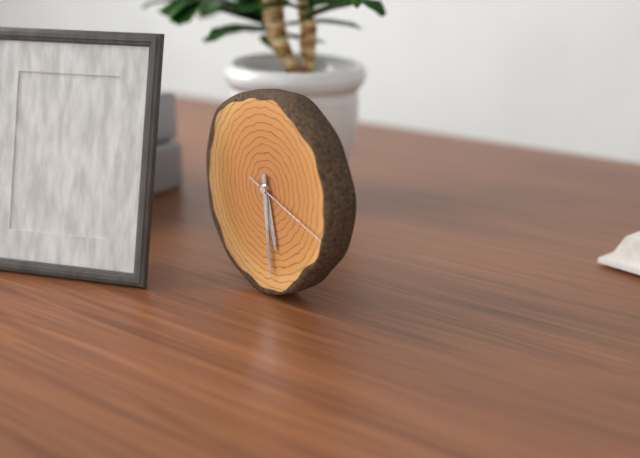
5 h 29 min 18 s
